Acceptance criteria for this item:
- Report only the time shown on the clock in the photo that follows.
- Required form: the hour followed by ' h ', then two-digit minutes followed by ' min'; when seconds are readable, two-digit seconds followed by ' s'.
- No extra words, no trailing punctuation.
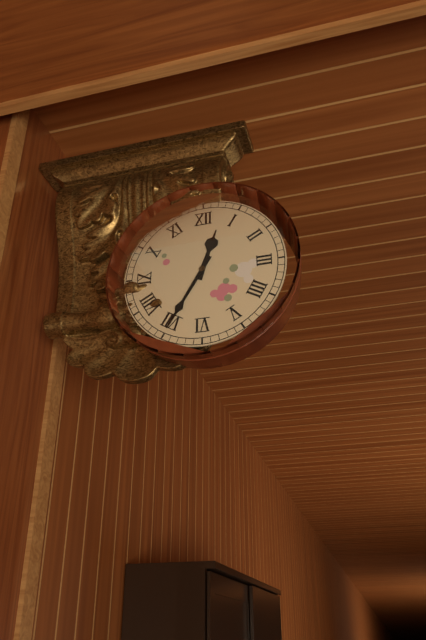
12 h 35 min
